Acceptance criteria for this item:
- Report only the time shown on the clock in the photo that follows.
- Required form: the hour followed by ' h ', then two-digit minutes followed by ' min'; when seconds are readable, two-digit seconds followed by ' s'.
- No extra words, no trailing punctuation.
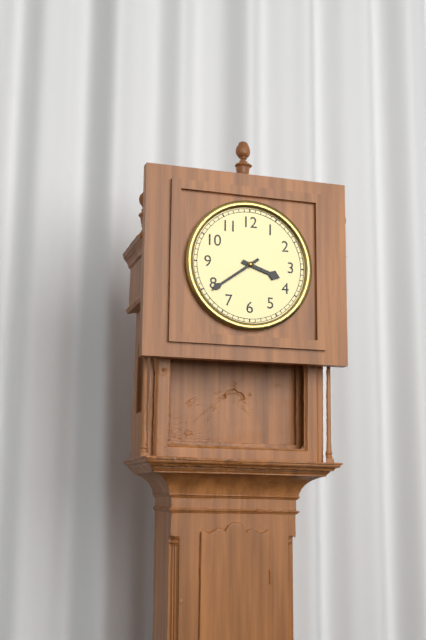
3 h 39 min
